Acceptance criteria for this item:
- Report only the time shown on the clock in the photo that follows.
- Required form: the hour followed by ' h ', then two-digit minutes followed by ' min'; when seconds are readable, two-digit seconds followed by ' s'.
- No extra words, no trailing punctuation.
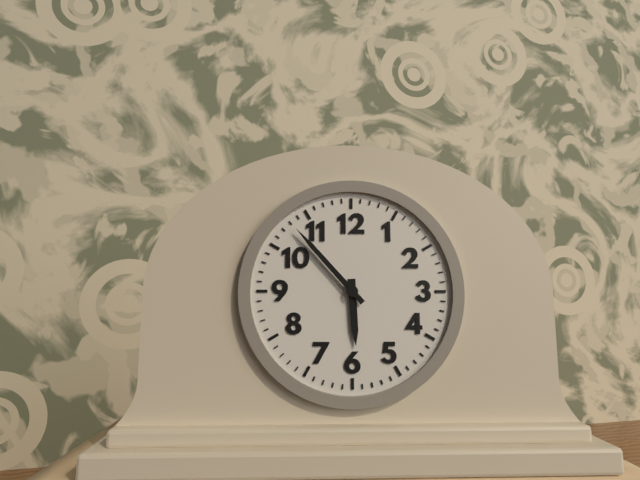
5 h 53 min
